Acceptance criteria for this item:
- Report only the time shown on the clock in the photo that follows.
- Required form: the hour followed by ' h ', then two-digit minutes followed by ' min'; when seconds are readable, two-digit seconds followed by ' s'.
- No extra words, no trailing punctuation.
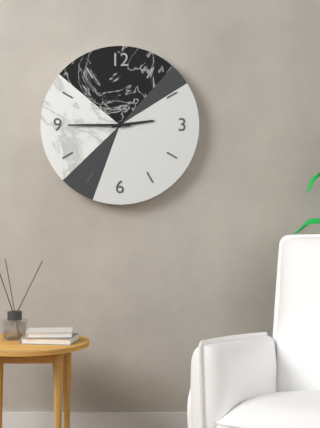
2 h 45 min
